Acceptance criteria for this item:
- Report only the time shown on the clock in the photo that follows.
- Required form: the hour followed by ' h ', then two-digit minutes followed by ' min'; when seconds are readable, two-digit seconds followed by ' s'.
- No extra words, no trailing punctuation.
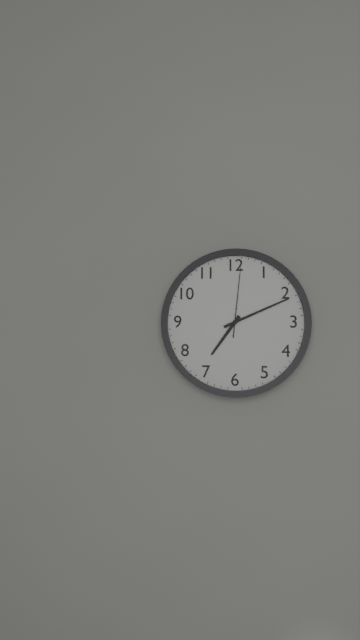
7 h 11 min 01 s
